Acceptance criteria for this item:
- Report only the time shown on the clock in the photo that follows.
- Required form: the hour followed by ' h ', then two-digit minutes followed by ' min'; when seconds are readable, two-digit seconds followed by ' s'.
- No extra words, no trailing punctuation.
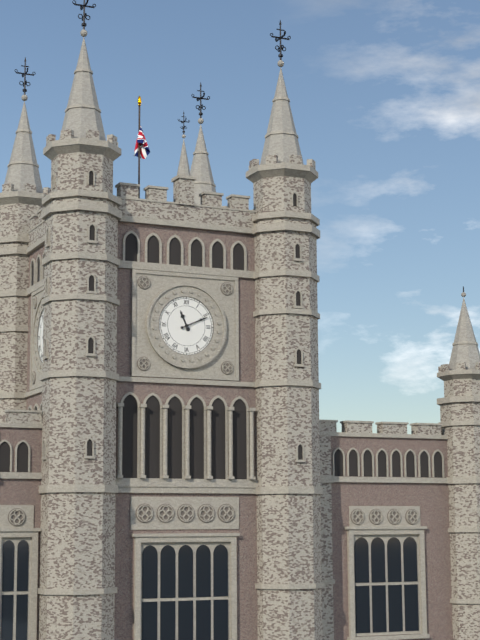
11 h 11 min
